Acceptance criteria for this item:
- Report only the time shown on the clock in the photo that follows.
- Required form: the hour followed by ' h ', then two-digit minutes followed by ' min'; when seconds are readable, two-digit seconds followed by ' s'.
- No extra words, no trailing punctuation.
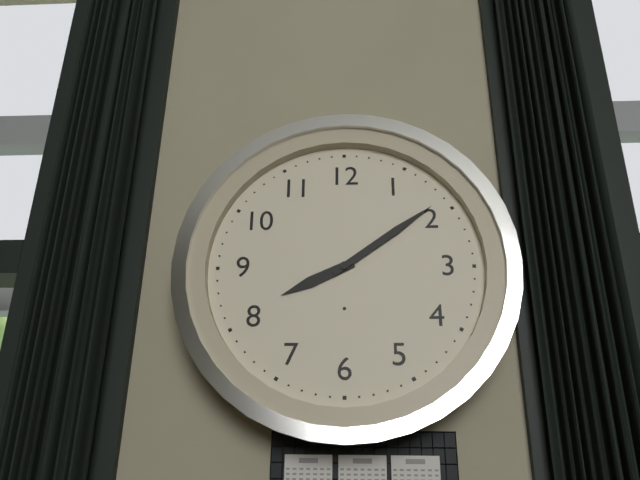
8 h 09 min
